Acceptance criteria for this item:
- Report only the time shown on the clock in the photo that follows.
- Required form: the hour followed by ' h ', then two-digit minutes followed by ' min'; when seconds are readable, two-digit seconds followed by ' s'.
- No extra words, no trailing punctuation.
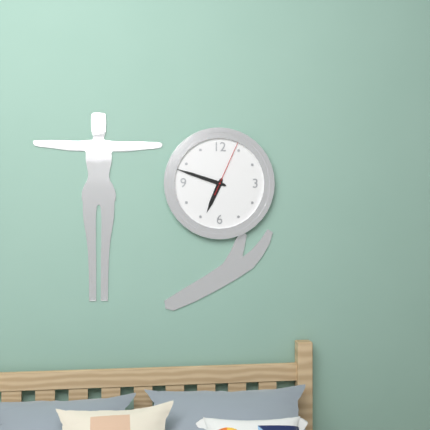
6 h 48 min 04 s
